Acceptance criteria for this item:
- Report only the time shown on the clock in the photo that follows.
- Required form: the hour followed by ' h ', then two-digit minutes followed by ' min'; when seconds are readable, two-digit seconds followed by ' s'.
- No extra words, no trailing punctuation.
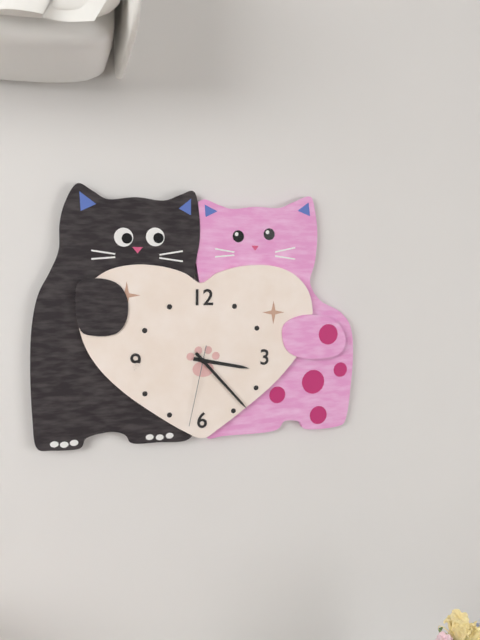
3 h 23 min 32 s
